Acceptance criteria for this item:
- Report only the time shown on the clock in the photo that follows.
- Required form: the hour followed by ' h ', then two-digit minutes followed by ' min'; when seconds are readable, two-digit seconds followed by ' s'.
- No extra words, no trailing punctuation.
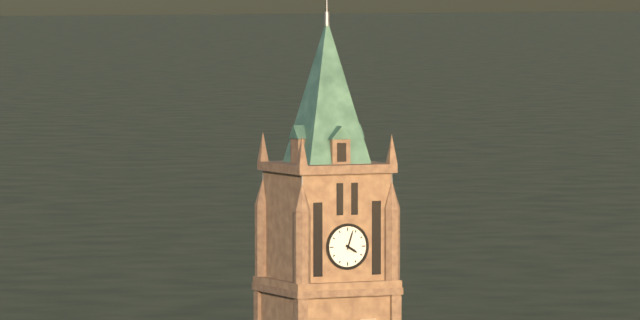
4 h 03 min
